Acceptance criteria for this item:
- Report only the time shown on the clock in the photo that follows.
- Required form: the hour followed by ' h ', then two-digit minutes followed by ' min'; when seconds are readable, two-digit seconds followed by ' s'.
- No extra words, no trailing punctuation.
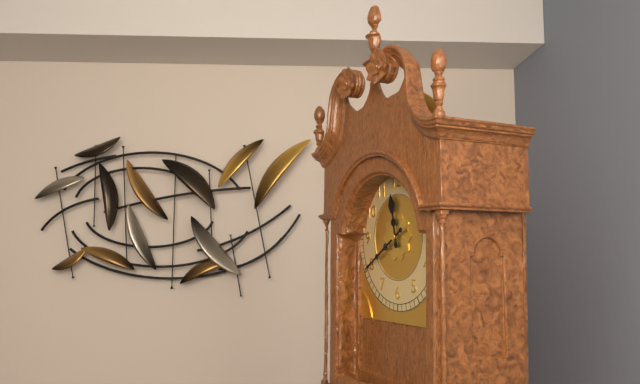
11 h 40 min
